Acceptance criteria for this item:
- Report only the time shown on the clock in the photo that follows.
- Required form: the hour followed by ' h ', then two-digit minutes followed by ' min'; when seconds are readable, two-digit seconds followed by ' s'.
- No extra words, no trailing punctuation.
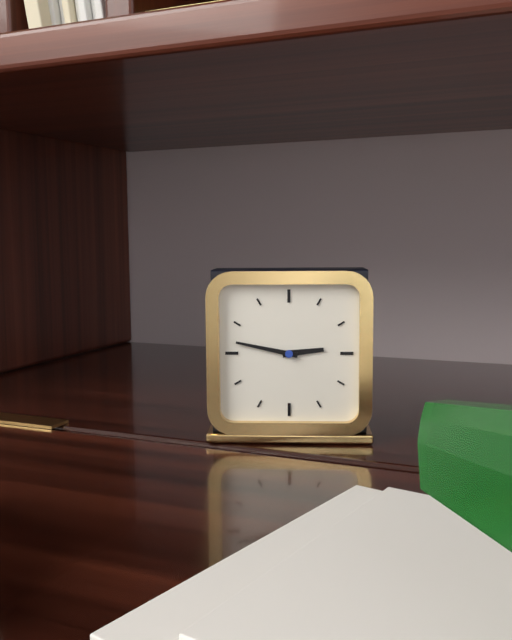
2 h 47 min
